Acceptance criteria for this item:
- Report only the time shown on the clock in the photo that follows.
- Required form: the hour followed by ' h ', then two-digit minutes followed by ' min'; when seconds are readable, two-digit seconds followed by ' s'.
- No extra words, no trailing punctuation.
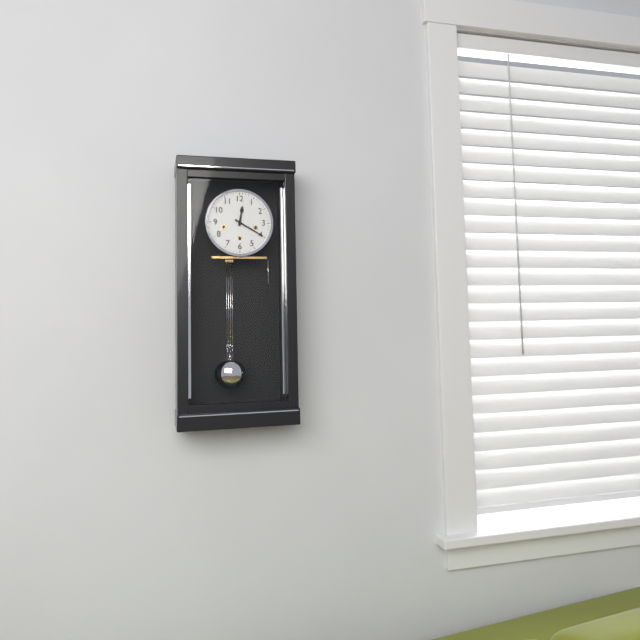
12 h 20 min
